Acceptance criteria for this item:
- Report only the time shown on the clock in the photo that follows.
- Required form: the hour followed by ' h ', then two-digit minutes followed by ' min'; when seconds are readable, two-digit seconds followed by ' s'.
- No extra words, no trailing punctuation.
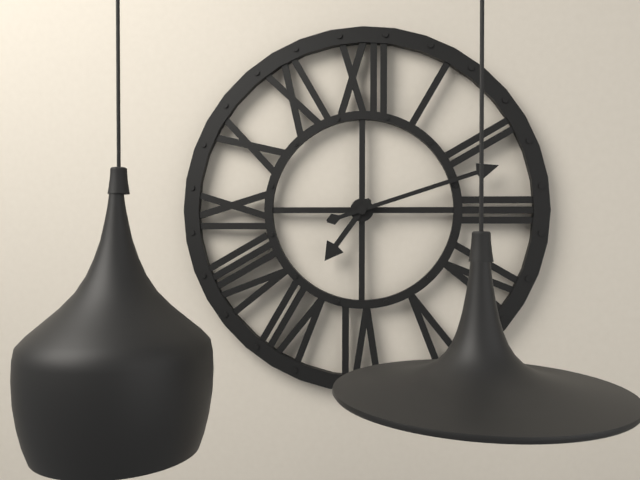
7 h 12 min
